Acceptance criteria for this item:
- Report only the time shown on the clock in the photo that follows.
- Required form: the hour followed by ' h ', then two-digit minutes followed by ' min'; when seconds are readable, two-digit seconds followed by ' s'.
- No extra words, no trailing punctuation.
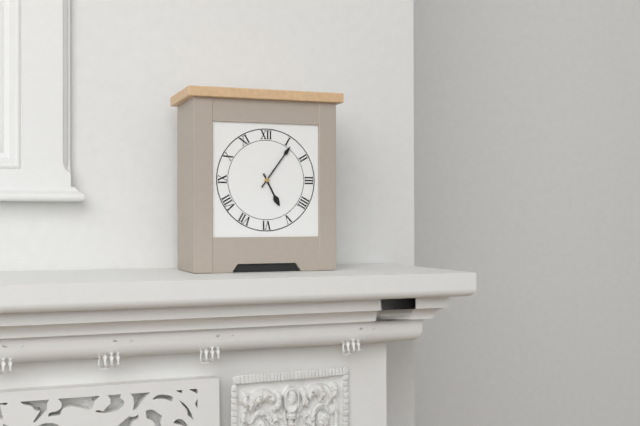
5 h 06 min
